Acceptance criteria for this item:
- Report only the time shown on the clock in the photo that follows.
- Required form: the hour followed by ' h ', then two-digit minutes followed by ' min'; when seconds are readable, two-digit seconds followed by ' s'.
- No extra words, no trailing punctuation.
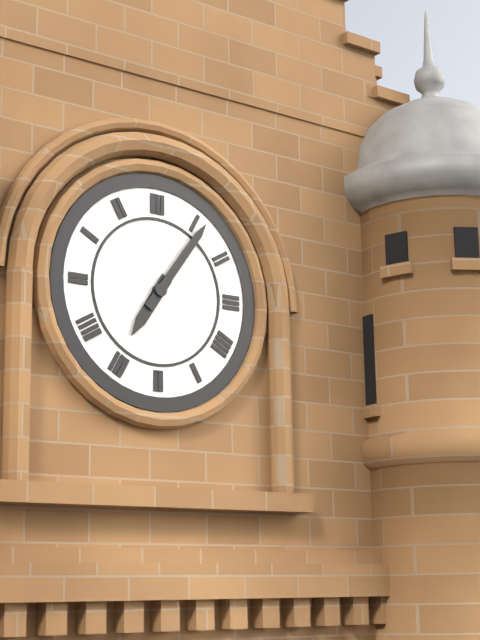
7 h 06 min
